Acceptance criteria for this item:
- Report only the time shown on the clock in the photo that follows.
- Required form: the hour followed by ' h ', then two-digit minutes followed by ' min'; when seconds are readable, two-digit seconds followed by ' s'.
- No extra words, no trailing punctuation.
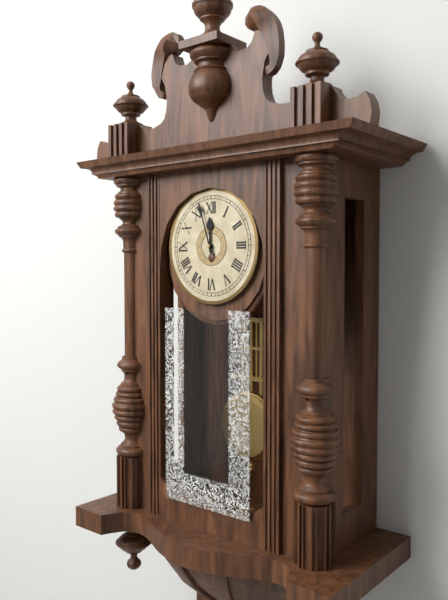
11 h 57 min
